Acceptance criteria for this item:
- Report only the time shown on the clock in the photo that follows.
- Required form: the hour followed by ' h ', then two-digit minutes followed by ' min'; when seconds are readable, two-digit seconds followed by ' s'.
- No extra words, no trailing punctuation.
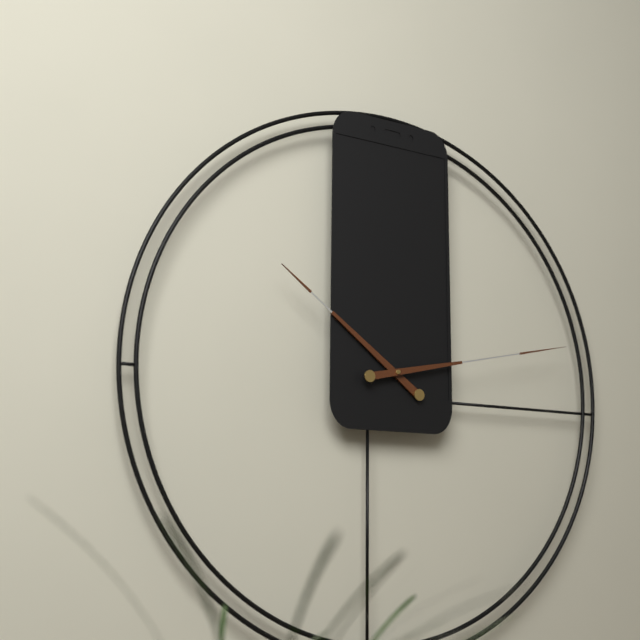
10 h 13 min
